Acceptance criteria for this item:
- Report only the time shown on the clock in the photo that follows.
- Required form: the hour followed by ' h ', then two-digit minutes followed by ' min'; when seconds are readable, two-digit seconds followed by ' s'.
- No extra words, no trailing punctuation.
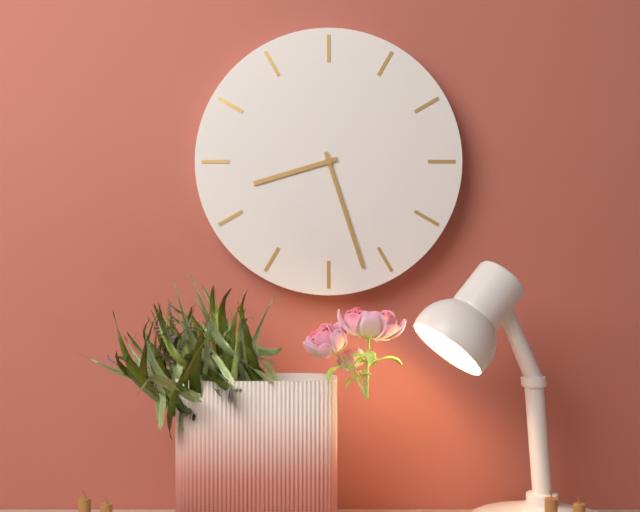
8 h 27 min
